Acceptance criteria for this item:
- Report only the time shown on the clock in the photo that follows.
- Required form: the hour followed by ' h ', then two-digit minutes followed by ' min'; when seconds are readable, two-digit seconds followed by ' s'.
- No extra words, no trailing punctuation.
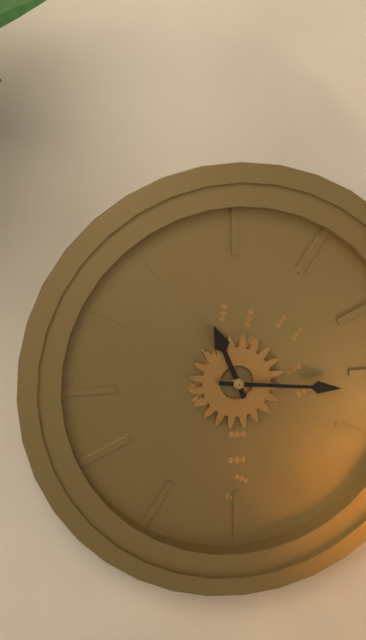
11 h 16 min
